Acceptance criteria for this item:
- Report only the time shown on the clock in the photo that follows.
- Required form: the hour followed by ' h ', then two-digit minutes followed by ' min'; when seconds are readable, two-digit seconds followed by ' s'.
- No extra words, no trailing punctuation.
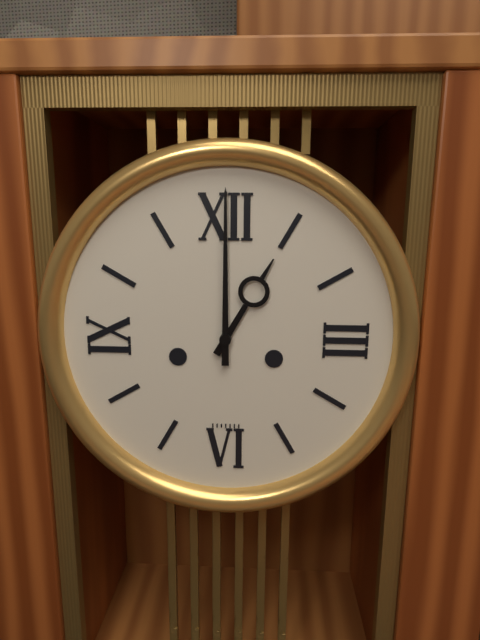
1 h 00 min
